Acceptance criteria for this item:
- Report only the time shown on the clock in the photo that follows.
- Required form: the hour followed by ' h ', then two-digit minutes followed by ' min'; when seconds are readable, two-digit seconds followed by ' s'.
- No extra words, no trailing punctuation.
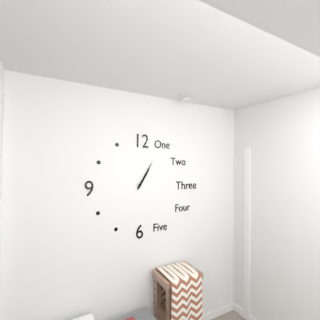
1 h 05 min
